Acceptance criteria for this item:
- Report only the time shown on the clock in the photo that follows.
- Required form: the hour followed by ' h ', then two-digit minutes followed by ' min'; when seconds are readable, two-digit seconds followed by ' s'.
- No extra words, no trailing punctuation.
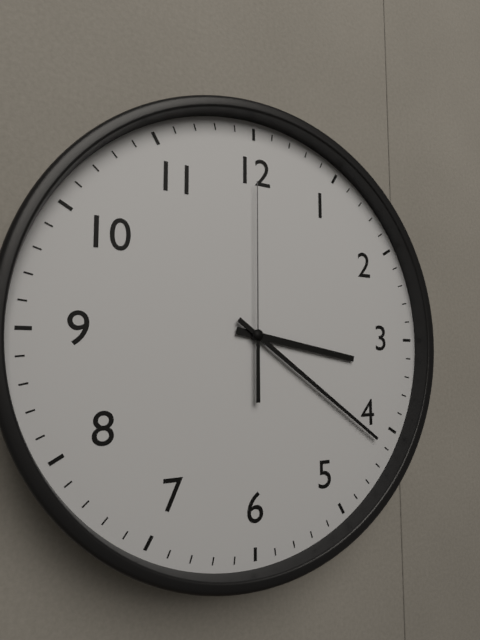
3 h 21 min 00 s
